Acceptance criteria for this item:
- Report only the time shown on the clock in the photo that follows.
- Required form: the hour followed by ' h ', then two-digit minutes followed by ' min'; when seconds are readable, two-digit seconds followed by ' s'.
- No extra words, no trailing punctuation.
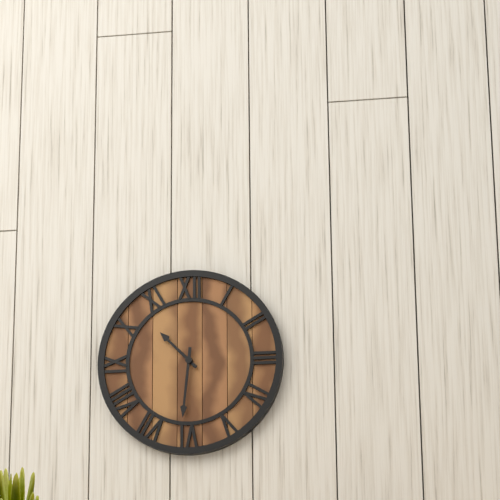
10 h 31 min
